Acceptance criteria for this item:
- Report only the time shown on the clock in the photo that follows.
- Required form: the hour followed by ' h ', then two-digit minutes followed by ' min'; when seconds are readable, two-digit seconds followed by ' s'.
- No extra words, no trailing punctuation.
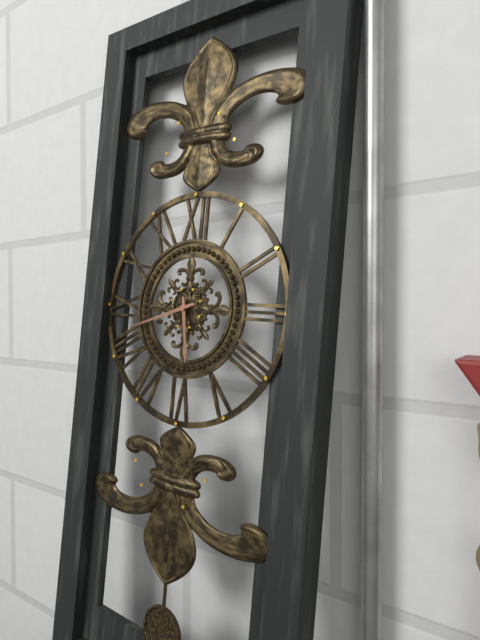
5 h 42 min
